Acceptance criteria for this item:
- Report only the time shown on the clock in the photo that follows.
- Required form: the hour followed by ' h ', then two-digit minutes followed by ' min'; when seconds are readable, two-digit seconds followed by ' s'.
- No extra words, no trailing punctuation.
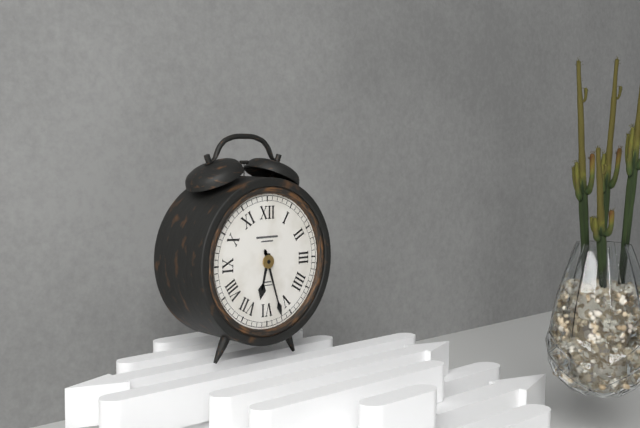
6 h 27 min
